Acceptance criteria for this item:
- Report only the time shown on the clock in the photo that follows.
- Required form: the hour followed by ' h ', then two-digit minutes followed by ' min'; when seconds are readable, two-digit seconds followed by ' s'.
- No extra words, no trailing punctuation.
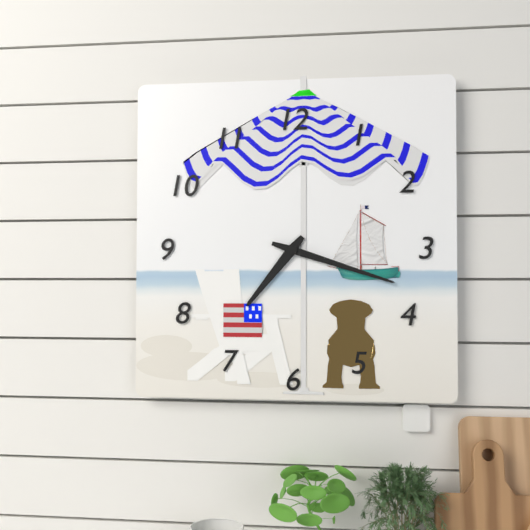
7 h 18 min
